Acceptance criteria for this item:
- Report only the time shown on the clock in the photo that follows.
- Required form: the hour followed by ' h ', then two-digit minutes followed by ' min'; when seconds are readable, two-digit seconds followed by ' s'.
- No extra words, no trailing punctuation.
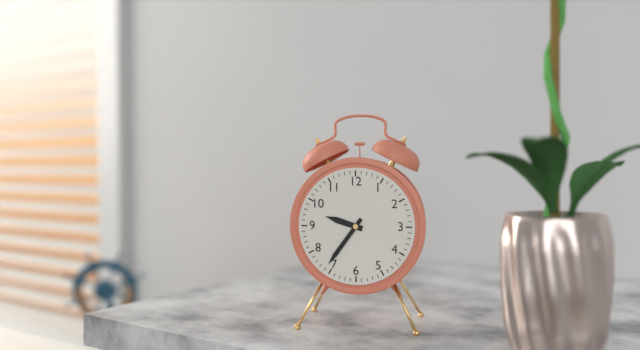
9 h 36 min
